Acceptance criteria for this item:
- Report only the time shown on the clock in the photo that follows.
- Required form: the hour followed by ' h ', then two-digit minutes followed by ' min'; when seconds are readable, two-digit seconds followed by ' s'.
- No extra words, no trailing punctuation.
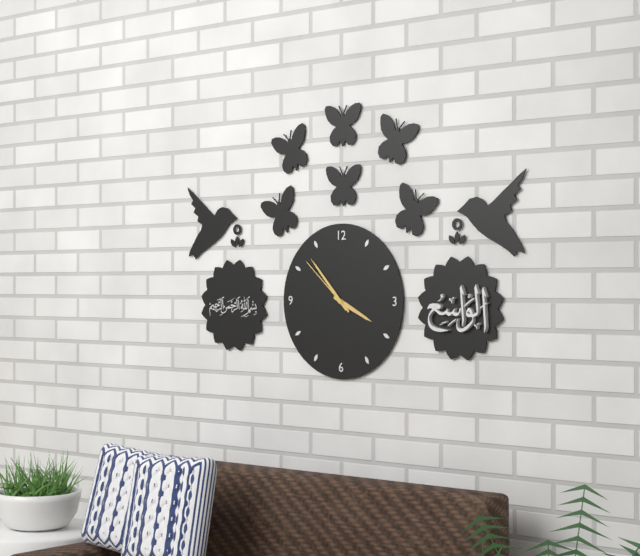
3 h 53 min 52 s
